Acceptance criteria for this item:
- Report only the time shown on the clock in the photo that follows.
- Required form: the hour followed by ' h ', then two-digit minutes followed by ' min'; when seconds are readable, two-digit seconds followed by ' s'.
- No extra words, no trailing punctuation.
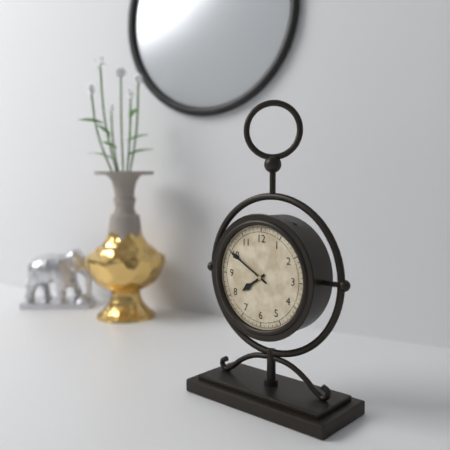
7 h 50 min
